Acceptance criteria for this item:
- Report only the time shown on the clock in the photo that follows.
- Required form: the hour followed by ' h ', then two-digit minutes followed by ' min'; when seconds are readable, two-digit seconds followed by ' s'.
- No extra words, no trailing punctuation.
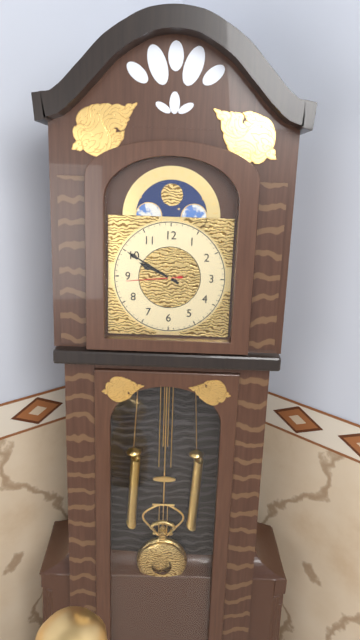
9 h 50 min 44 s
